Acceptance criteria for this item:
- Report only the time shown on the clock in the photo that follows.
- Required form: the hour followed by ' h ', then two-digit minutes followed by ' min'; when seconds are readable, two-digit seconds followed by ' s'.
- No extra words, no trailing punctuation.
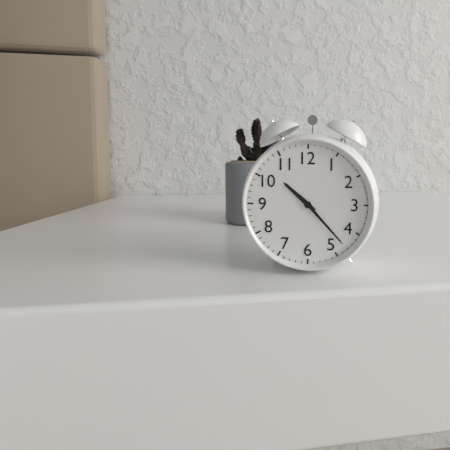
10 h 23 min
